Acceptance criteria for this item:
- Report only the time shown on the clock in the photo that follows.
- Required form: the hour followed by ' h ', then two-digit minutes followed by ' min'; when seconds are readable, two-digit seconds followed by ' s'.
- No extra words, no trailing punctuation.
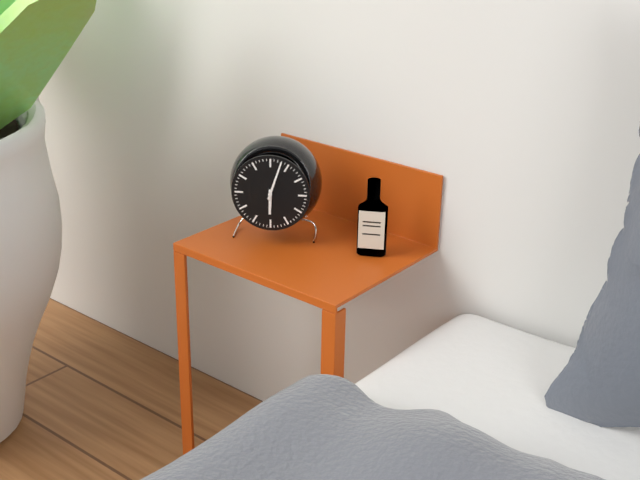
6 h 03 min
